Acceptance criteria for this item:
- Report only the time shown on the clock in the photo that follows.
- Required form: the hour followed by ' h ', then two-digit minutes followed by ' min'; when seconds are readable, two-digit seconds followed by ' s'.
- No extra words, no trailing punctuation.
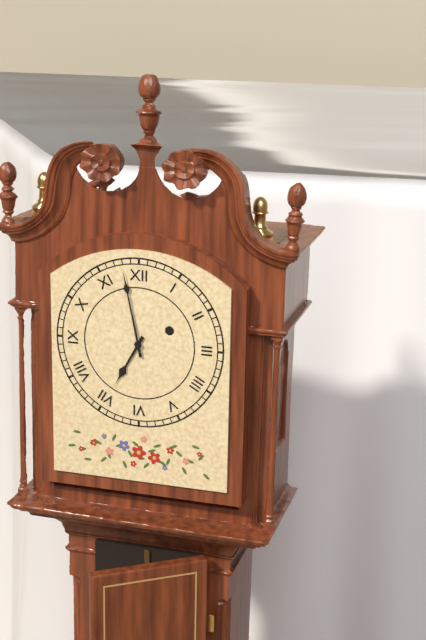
6 h 58 min
